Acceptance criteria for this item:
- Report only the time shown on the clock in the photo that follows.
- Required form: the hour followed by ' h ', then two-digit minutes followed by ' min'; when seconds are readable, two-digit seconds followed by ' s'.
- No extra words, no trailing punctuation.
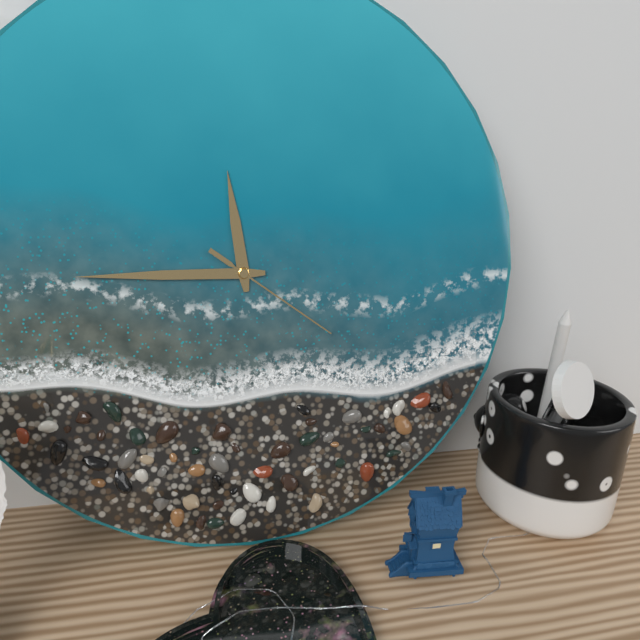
11 h 45 min 21 s
